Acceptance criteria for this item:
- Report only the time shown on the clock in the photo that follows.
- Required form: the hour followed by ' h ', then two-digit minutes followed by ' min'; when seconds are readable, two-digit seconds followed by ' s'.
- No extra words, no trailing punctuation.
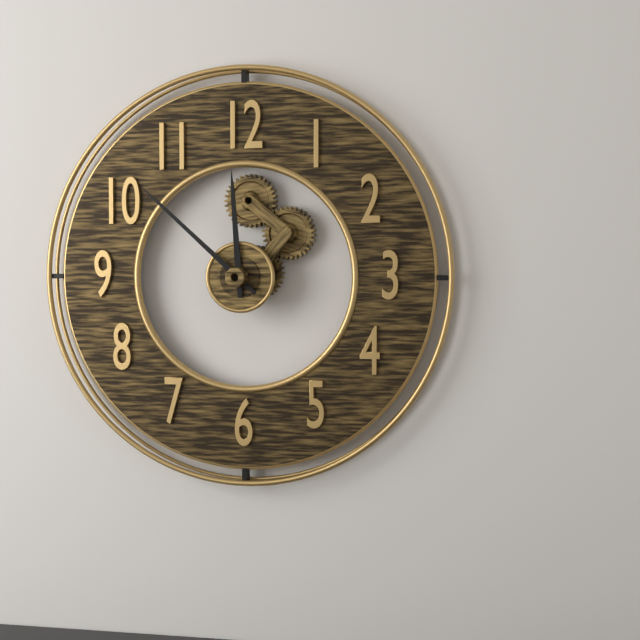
11 h 52 min
